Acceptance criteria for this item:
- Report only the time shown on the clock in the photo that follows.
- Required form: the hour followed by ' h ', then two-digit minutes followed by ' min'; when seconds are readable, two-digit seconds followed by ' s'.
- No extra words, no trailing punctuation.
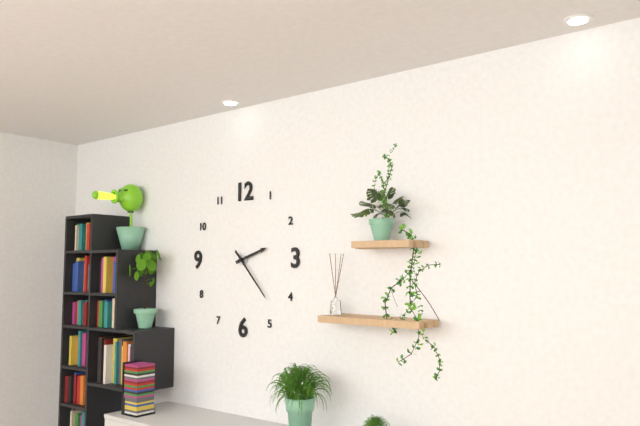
2 h 23 min
